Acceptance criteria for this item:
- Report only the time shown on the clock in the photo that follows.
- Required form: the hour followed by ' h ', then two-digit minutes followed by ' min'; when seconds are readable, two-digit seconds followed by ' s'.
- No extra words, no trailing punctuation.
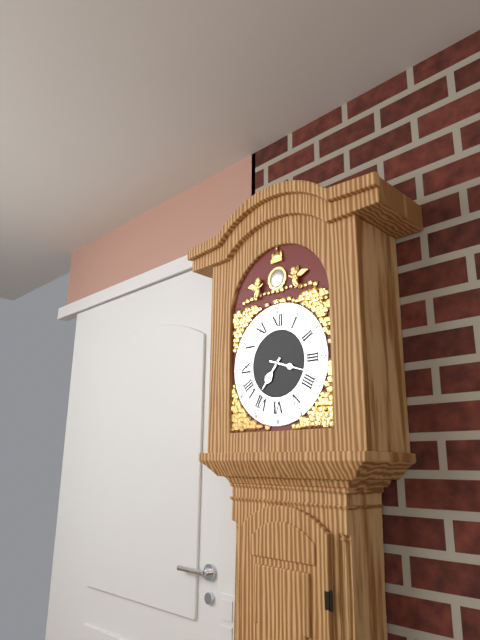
7 h 18 min
